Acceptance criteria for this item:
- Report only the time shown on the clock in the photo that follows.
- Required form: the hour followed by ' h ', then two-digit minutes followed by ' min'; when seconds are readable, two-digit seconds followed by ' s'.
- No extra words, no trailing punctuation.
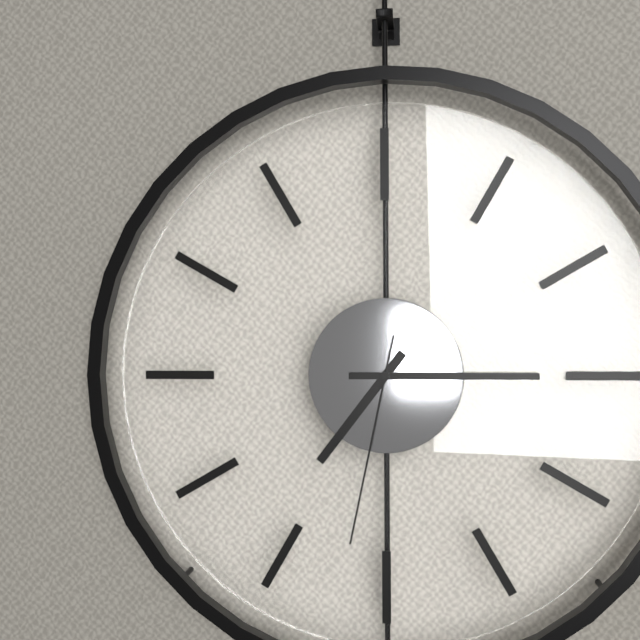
7 h 15 min 32 s
